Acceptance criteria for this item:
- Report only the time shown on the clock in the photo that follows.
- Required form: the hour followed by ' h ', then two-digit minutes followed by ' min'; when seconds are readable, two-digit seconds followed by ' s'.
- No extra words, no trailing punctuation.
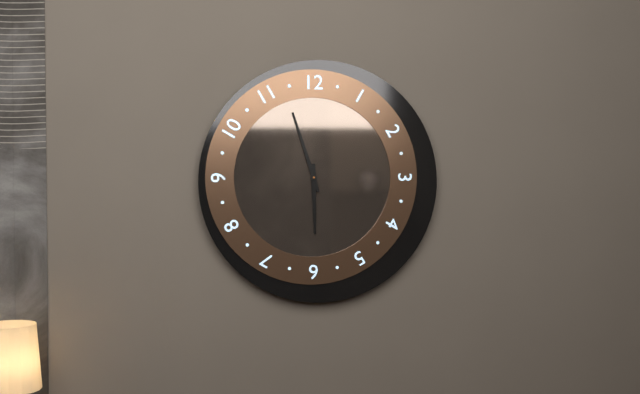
5 h 57 min
